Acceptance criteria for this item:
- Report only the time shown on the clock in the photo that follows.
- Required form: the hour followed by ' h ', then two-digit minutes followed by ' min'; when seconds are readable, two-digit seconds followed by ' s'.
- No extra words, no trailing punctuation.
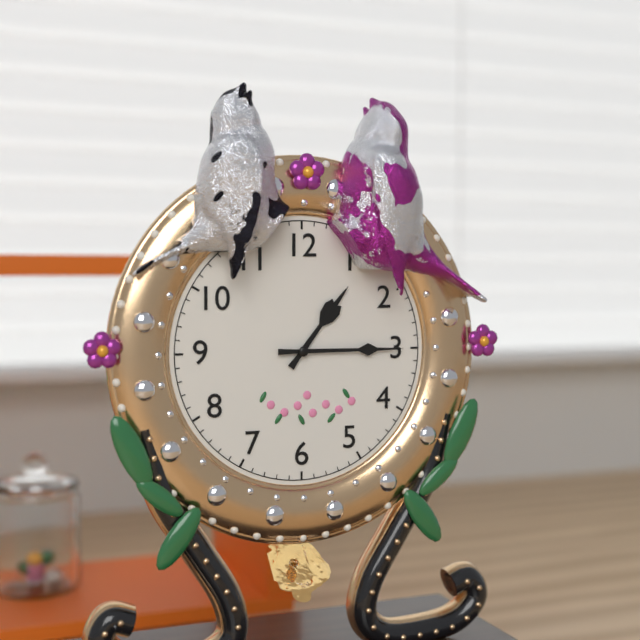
1 h 15 min
